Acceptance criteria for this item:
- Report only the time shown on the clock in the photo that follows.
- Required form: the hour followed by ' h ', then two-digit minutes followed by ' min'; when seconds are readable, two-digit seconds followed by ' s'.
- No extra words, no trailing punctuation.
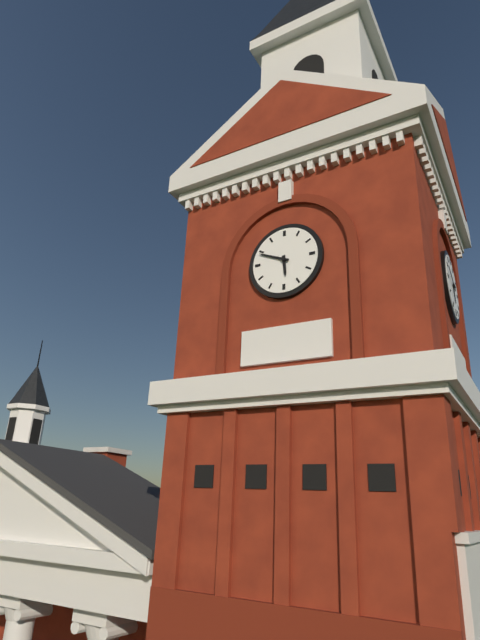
5 h 49 min
